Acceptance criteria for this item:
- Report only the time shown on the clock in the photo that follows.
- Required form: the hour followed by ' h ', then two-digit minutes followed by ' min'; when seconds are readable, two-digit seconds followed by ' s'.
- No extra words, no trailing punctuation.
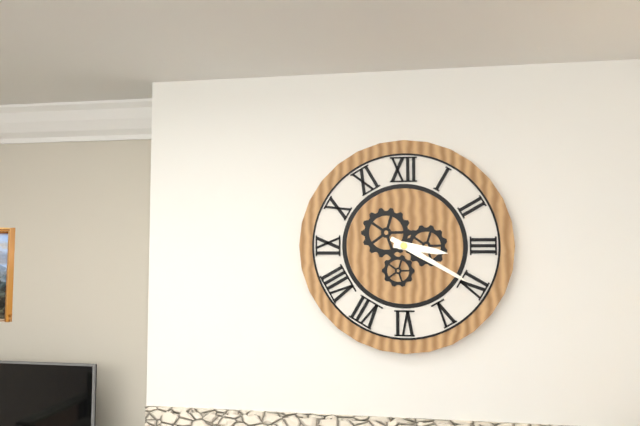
3 h 20 min
